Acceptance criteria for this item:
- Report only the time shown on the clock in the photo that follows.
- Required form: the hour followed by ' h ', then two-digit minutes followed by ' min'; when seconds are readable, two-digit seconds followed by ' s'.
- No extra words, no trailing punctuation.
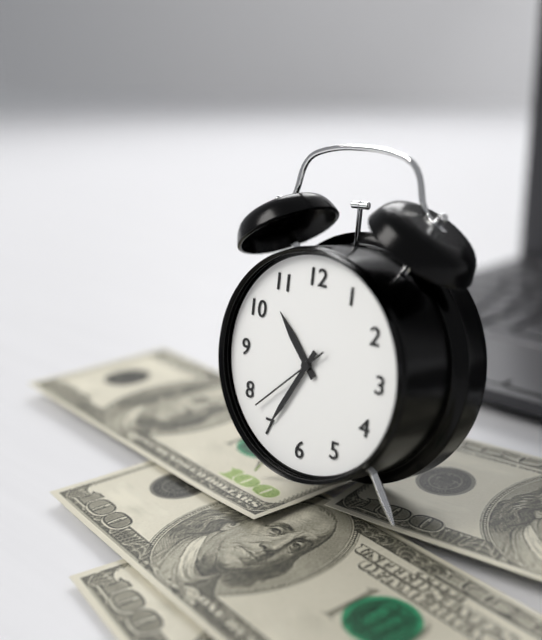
10 h 35 min 38 s
